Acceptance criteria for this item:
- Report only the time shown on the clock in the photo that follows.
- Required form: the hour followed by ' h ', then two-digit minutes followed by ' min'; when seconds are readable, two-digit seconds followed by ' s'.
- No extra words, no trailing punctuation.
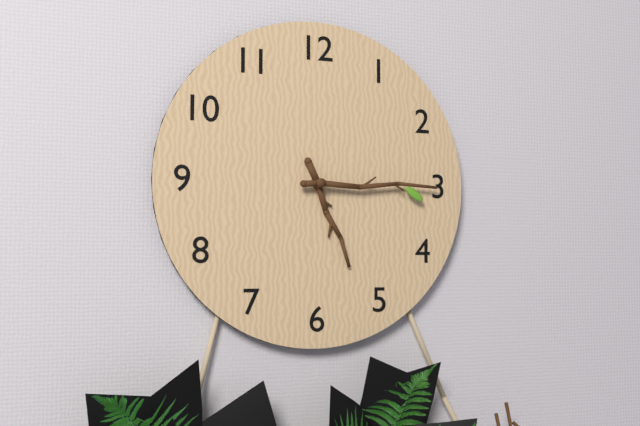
5 h 15 min
